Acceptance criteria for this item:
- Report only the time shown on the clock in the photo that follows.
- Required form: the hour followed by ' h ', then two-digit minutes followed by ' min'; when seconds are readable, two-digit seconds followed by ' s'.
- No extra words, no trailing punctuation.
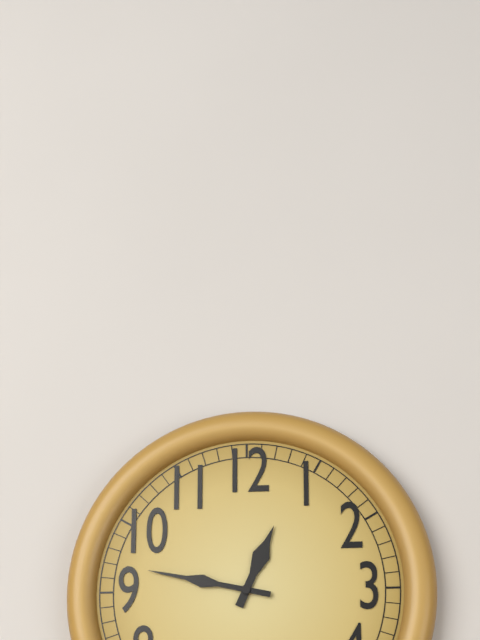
12 h 47 min
